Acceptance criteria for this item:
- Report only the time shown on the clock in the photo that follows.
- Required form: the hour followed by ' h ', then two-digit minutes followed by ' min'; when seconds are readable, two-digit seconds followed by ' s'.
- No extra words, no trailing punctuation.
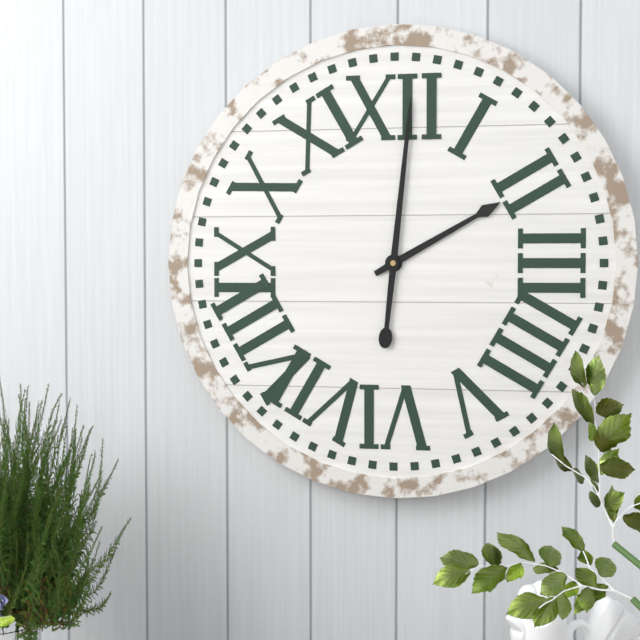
2 h 01 min
